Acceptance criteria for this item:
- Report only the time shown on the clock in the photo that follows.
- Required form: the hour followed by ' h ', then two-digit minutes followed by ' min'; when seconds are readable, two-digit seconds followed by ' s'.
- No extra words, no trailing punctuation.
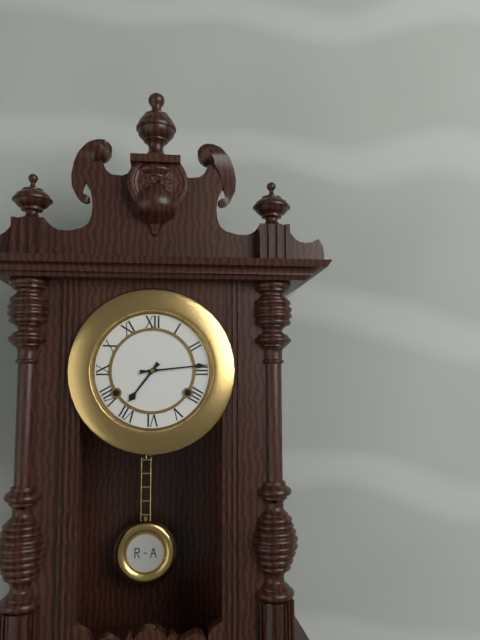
7 h 14 min
